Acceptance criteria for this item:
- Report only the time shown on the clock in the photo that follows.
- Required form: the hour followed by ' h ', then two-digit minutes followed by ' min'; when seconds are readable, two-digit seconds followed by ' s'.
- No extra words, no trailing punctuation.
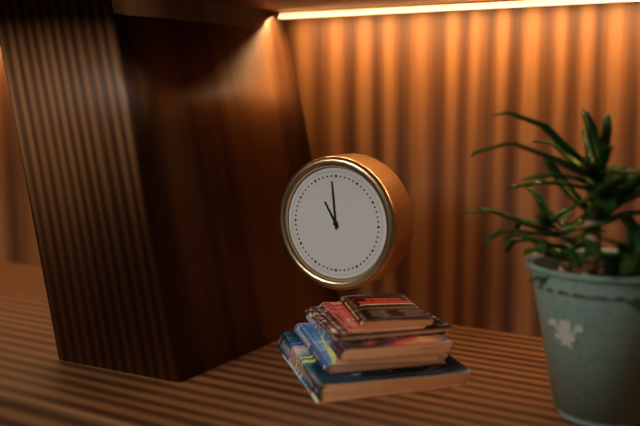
10 h 59 min
